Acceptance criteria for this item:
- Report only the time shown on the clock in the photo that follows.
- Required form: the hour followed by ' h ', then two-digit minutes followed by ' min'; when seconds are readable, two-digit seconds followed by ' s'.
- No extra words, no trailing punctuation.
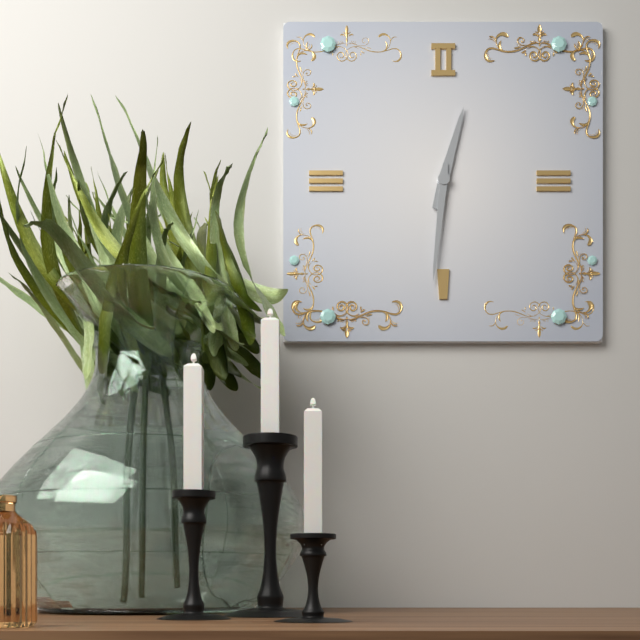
12 h 31 min
